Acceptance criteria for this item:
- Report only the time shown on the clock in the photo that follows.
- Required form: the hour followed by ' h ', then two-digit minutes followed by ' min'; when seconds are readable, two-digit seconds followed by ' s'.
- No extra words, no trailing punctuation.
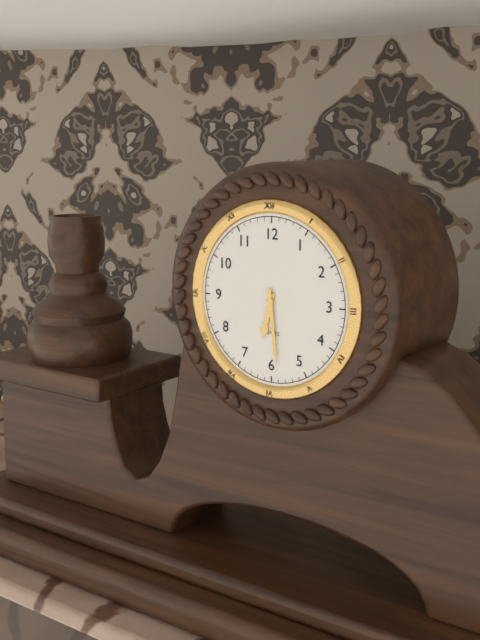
6 h 29 min
